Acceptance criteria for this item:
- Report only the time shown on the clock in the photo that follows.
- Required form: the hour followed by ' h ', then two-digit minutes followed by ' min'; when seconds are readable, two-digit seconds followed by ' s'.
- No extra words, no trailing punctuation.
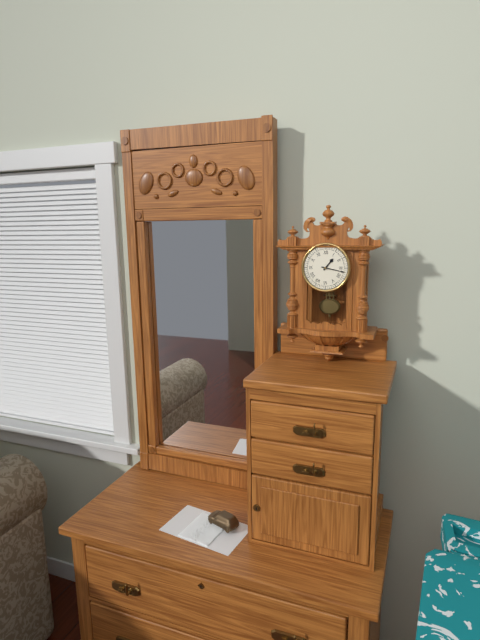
1 h 17 min
